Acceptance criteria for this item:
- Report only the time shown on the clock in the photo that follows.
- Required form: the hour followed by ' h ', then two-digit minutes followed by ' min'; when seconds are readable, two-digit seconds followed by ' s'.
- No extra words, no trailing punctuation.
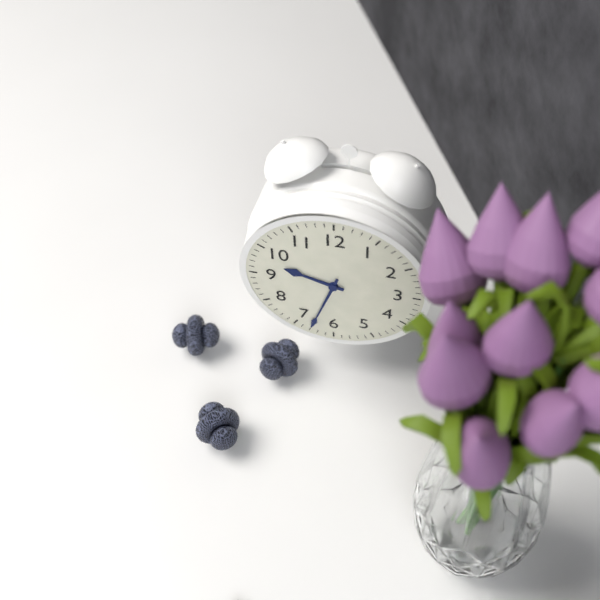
9 h 33 min
